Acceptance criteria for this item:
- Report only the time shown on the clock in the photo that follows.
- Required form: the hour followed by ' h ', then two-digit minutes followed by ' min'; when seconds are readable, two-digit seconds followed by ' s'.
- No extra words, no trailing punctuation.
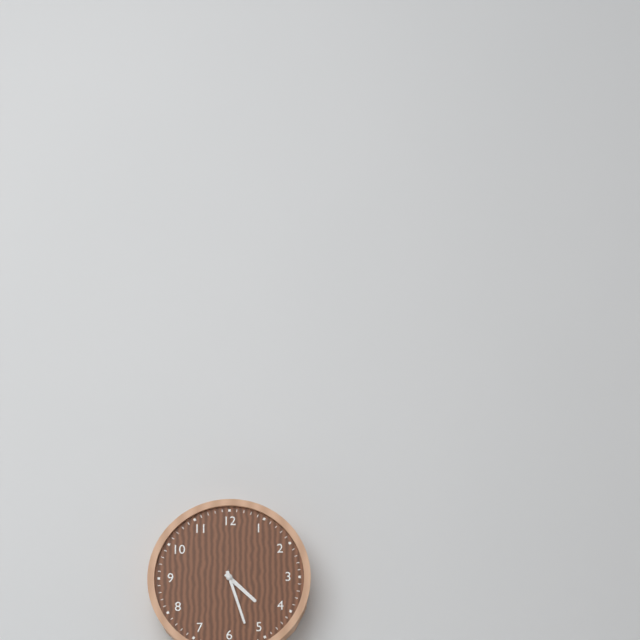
4 h 27 min
